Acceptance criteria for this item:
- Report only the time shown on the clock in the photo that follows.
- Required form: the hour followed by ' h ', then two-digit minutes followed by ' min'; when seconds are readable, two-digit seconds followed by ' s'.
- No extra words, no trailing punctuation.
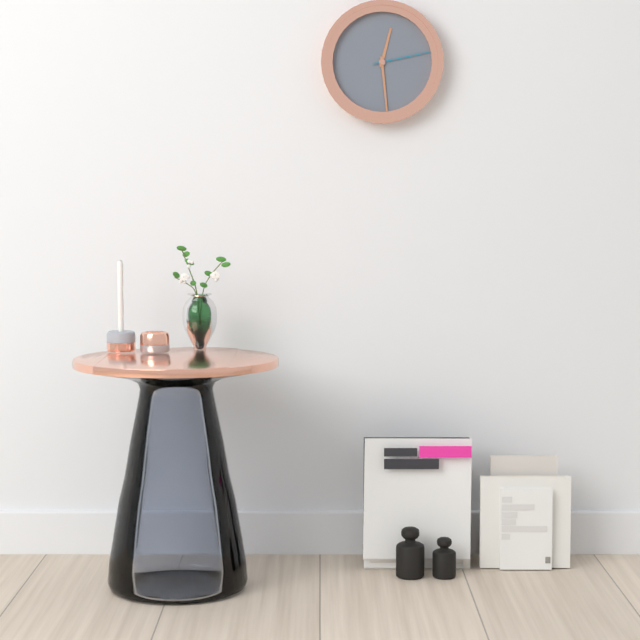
12 h 29 min 13 s
